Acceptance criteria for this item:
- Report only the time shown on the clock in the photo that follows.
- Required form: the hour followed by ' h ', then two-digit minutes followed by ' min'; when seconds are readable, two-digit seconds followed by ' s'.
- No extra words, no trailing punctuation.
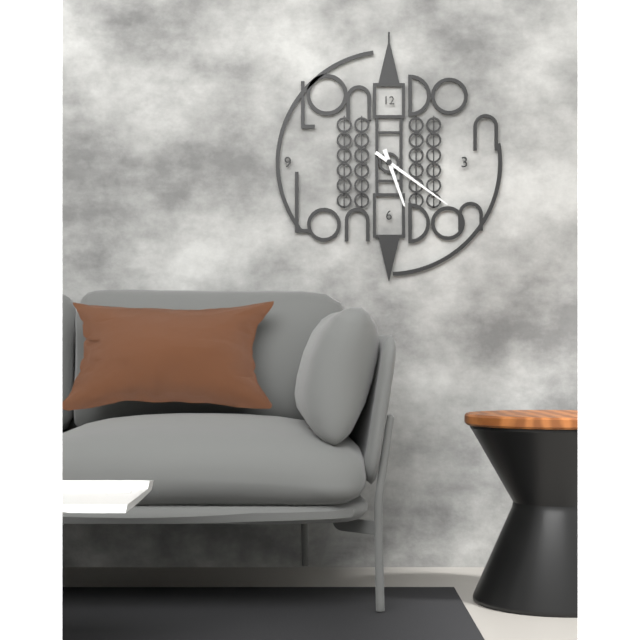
5 h 21 min
